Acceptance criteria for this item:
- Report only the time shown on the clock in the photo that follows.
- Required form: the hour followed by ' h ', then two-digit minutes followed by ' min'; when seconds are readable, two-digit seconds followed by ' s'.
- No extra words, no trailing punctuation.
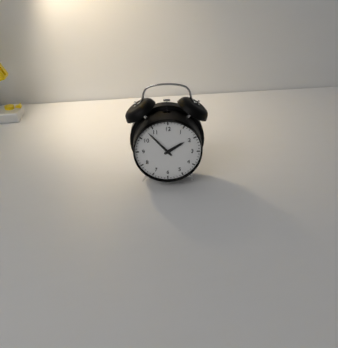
1 h 53 min
